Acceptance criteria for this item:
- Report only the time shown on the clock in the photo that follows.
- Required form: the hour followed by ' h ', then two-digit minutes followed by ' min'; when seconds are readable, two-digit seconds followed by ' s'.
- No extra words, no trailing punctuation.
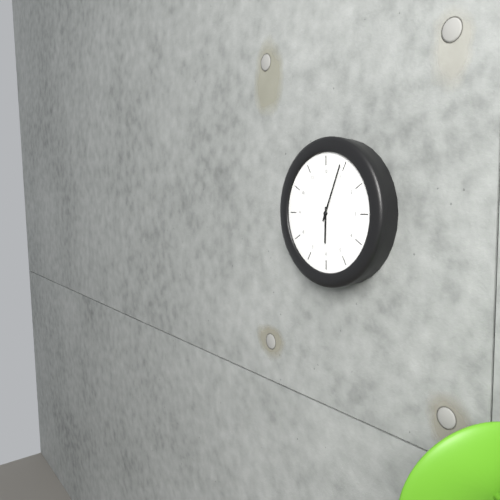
6 h 04 min
